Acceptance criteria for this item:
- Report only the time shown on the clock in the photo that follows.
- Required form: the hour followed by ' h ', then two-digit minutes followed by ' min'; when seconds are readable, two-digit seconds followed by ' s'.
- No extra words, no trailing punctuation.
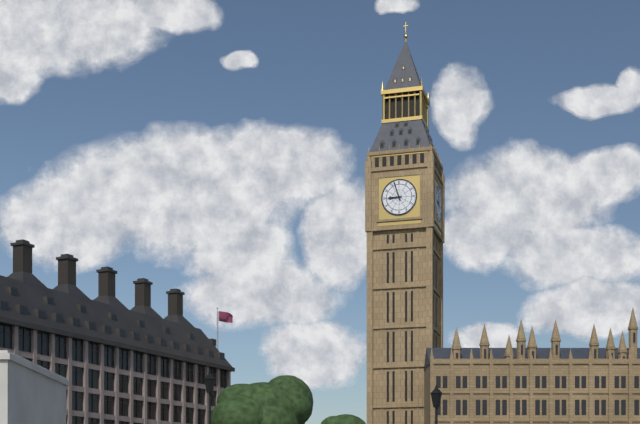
8 h 57 min
